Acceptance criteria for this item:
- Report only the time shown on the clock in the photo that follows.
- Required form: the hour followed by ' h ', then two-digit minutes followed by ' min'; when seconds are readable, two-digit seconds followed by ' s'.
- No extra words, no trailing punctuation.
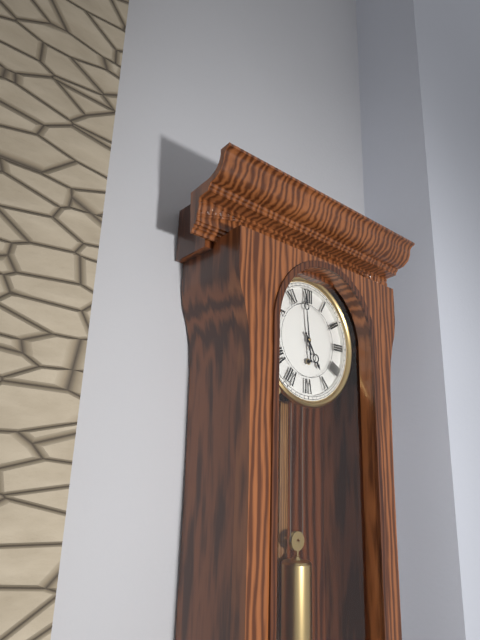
4 h 59 min
